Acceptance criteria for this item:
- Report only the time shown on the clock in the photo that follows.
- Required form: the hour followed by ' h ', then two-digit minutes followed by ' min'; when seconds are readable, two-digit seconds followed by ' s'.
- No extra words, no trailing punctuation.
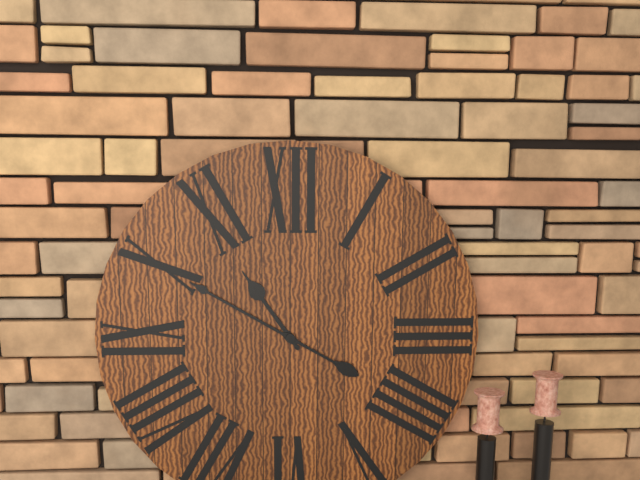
10 h 50 min
